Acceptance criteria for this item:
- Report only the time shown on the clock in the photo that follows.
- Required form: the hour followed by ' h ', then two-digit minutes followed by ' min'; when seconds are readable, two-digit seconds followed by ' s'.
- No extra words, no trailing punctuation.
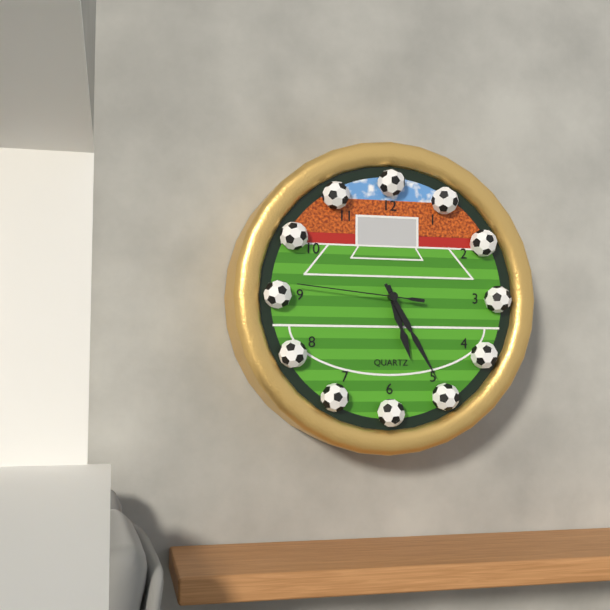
5 h 25 min 46 s
